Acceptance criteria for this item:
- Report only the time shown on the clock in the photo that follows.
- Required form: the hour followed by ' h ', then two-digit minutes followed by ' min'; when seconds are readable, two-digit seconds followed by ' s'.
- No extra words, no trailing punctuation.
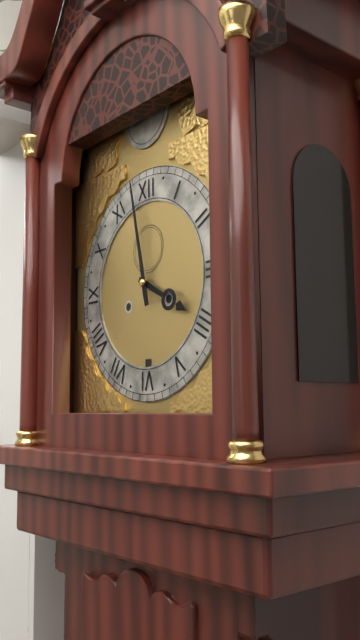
3 h 58 min
